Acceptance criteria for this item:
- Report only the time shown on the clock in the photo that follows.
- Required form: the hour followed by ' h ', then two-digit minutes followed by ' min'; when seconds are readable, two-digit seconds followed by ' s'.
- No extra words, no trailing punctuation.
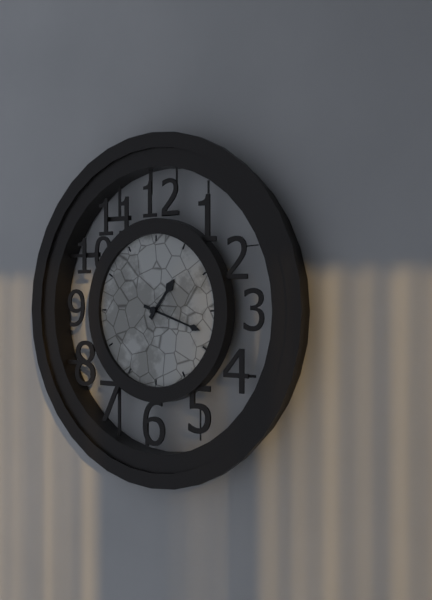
1 h 18 min
